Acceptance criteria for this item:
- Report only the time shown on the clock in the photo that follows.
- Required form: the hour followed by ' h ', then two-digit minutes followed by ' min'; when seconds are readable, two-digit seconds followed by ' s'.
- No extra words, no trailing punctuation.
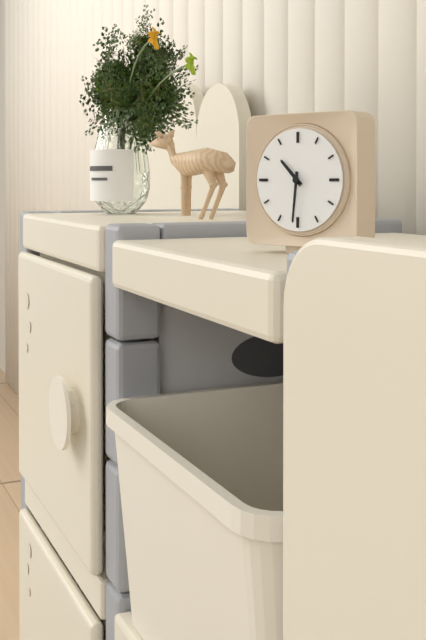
10 h 31 min
